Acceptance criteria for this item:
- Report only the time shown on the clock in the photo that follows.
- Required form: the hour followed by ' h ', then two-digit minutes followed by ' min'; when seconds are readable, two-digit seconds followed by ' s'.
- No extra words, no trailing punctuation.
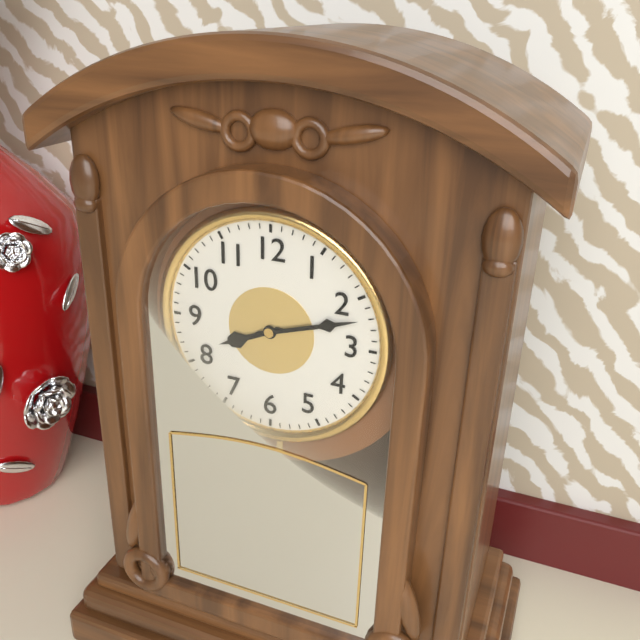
8 h 12 min
